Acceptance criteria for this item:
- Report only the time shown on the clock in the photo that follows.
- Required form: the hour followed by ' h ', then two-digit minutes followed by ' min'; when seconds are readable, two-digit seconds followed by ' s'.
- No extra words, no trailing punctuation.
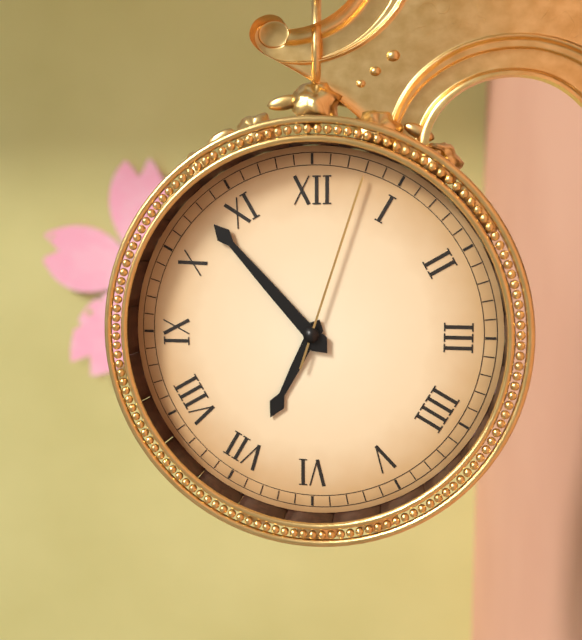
6 h 53 min 03 s
